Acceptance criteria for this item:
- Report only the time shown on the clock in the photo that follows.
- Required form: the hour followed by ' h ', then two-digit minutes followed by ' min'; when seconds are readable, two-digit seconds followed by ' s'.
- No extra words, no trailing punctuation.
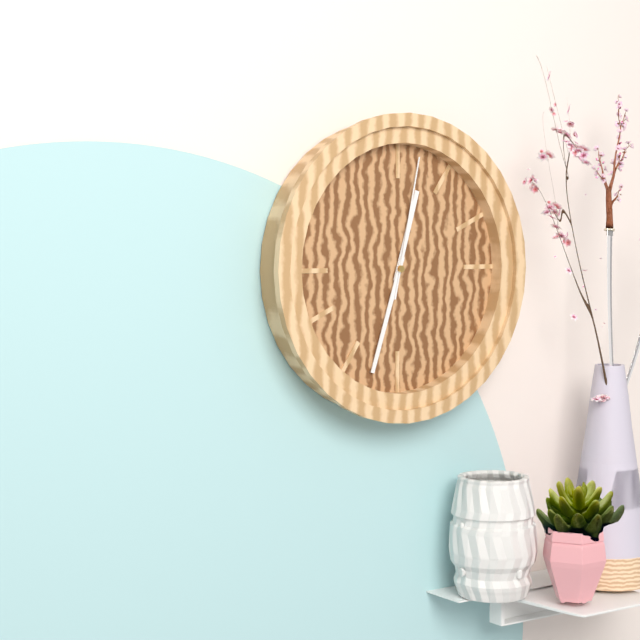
12 h 33 min 02 s
